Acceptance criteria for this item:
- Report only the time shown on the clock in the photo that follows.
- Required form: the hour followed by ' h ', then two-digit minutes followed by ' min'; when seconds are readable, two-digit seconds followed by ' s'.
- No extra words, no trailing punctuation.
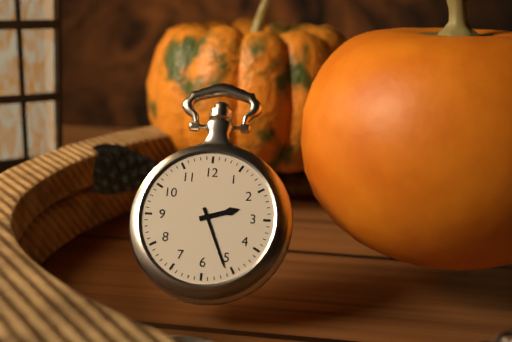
2 h 26 min
